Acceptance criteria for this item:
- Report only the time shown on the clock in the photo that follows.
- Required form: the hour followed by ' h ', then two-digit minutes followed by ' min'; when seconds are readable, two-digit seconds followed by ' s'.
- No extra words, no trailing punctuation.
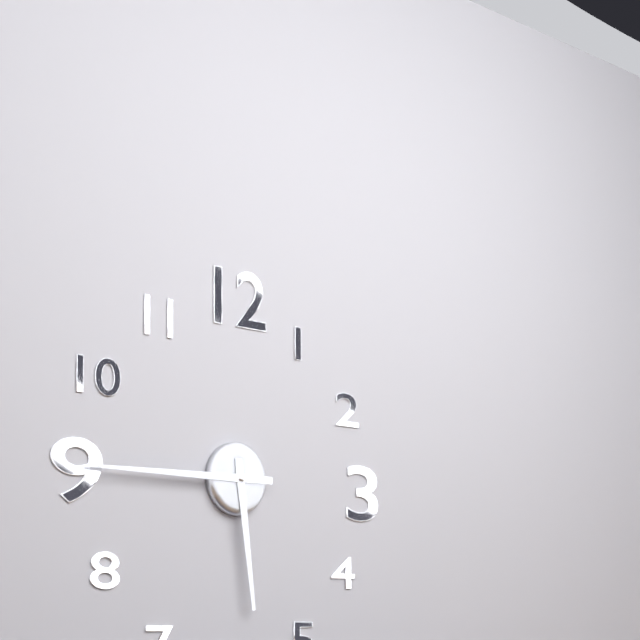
5 h 45 min
